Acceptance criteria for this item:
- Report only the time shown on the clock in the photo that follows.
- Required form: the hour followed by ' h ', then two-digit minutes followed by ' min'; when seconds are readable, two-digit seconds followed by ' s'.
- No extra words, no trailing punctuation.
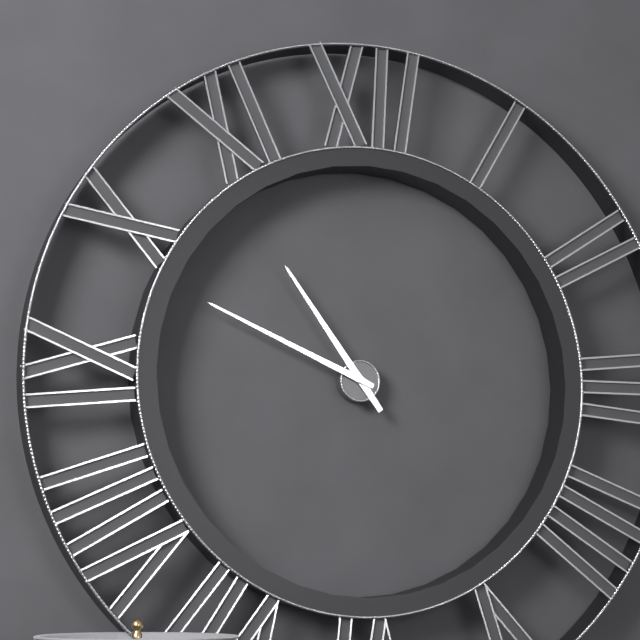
10 h 49 min
